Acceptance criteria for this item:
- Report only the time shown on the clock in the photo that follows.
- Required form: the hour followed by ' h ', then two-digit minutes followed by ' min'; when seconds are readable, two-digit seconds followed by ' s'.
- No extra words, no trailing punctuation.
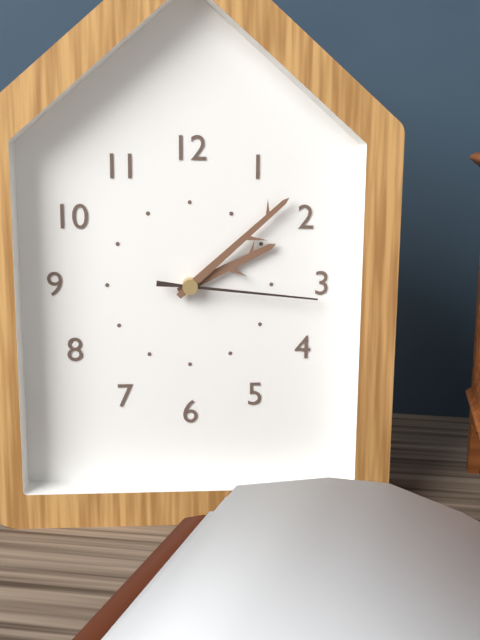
2 h 08 min 16 s
